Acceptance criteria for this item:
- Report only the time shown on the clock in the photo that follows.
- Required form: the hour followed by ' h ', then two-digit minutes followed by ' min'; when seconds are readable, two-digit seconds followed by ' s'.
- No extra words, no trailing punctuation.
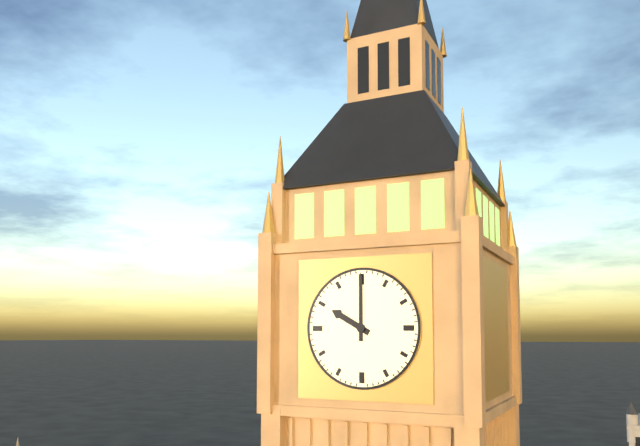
10 h 00 min
